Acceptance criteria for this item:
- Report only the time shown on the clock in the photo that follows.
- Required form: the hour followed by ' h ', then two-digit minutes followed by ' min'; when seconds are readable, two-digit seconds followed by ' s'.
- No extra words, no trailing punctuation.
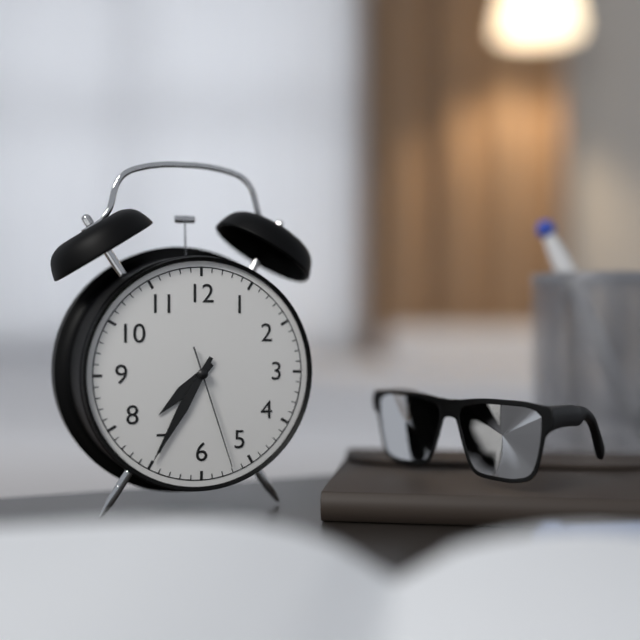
7 h 35 min 27 s
